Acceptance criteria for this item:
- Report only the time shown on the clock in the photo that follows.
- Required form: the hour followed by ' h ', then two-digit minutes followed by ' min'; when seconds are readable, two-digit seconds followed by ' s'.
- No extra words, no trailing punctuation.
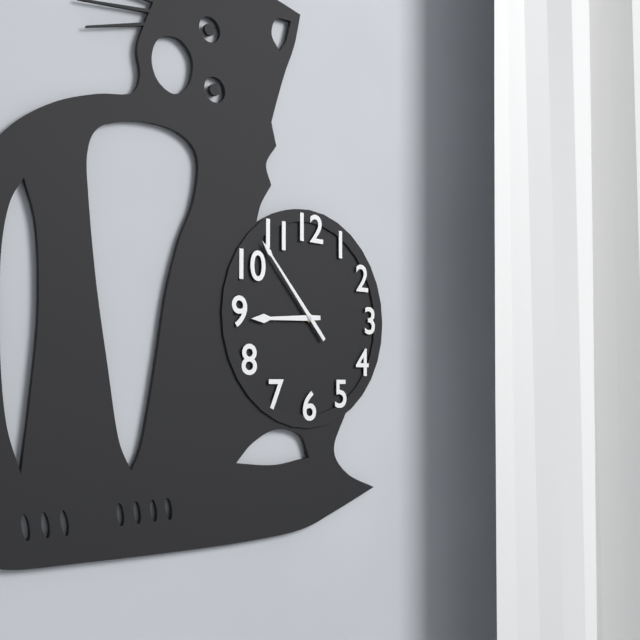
8 h 53 min
